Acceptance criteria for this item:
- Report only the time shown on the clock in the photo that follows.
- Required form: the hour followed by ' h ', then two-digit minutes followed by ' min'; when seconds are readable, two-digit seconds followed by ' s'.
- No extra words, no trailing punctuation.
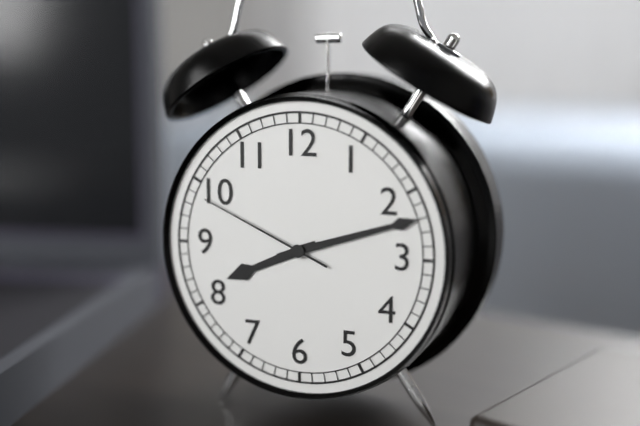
8 h 12 min 49 s
